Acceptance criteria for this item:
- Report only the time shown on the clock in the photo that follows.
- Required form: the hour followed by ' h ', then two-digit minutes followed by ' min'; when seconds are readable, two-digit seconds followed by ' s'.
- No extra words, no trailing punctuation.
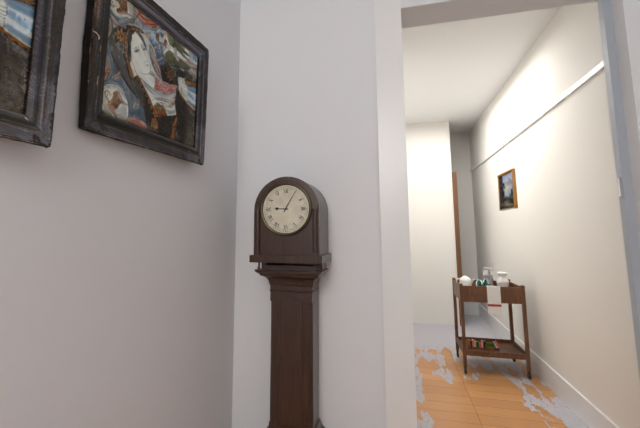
9 h 05 min
